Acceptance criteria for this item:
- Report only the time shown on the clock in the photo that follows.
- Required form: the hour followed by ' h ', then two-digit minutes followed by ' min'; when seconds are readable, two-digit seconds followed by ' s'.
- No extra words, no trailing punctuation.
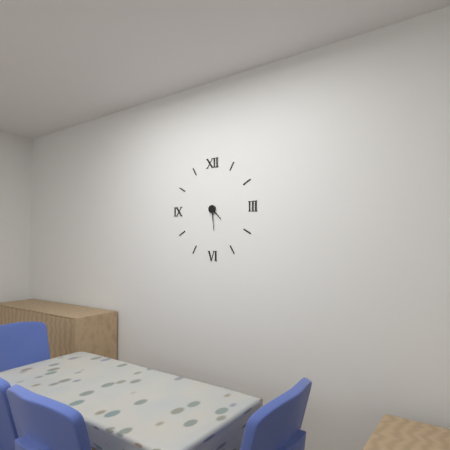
4 h 29 min
